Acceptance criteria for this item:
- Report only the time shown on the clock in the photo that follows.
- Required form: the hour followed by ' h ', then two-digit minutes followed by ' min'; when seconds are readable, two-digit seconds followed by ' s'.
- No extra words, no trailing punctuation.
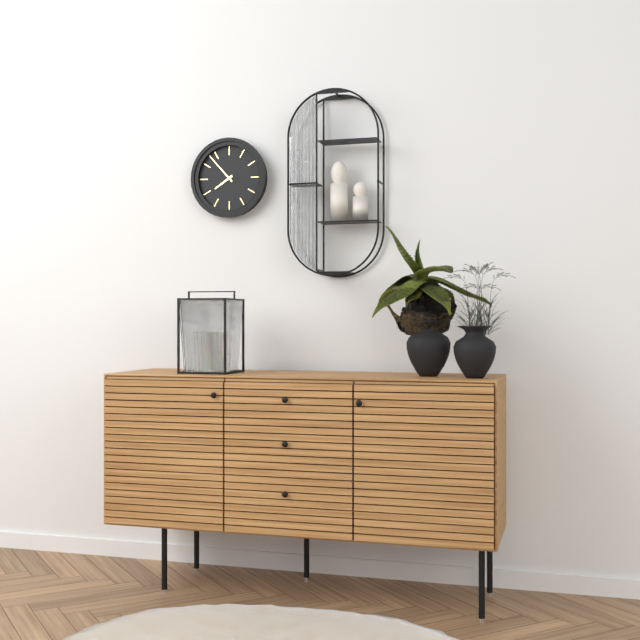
7 h 53 min
